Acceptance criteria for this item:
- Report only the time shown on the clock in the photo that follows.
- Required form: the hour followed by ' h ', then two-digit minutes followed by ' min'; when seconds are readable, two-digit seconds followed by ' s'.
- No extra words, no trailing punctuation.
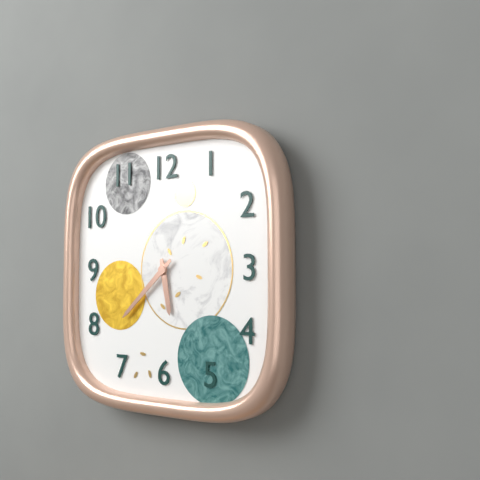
5 h 38 min
